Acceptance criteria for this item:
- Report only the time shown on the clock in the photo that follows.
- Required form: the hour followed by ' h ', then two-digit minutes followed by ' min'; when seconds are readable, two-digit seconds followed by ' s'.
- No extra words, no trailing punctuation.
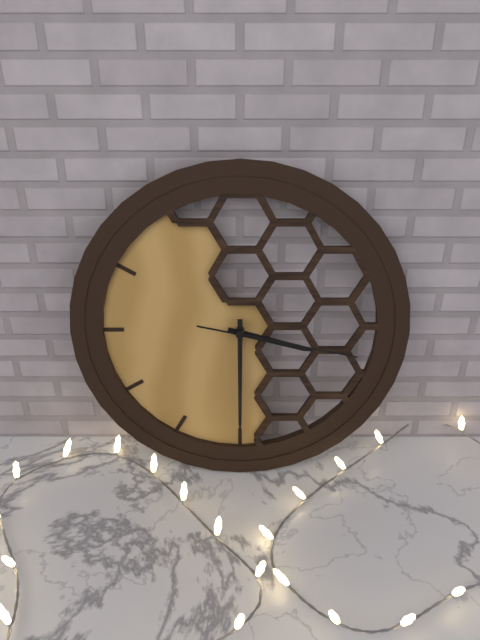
3 h 30 min 17 s
